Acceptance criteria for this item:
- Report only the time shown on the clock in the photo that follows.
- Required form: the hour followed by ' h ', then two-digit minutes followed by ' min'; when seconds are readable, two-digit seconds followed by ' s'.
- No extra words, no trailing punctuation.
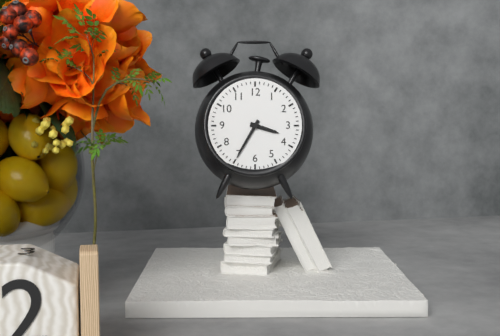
3 h 35 min
